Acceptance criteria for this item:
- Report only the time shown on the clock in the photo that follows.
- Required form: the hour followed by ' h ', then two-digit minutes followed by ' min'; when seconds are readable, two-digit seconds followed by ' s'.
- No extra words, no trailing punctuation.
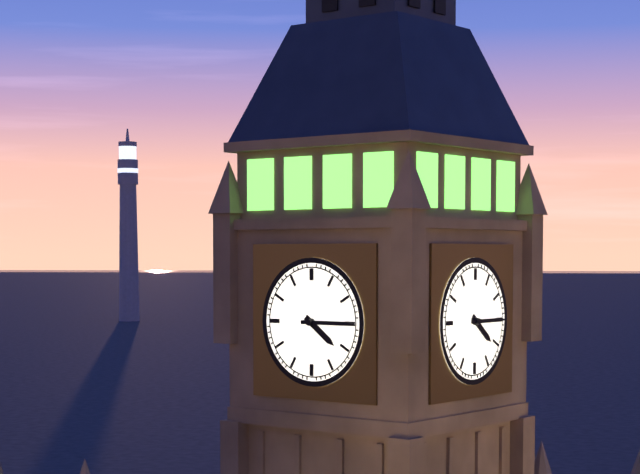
4 h 15 min
